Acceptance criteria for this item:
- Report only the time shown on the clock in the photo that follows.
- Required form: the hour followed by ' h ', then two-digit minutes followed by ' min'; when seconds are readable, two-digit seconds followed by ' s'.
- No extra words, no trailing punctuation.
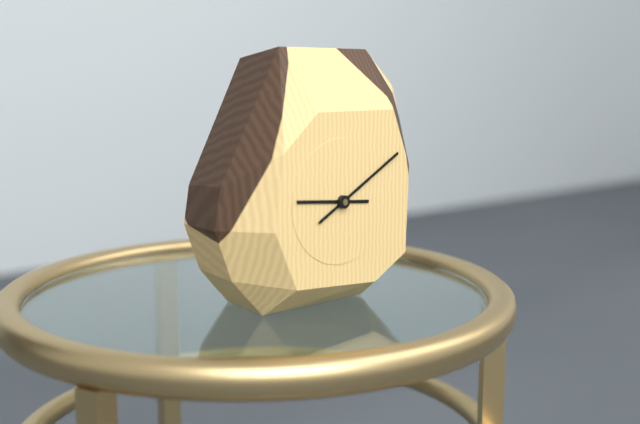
9 h 10 min
